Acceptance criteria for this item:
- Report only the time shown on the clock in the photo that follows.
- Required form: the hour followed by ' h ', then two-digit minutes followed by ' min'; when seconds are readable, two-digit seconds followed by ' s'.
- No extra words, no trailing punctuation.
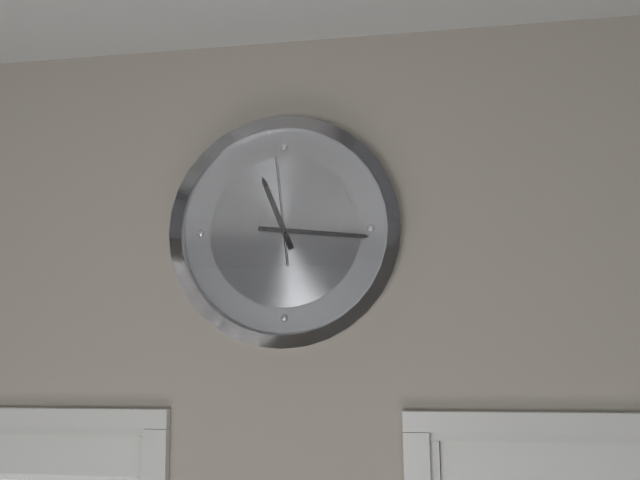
11 h 16 min 59 s
